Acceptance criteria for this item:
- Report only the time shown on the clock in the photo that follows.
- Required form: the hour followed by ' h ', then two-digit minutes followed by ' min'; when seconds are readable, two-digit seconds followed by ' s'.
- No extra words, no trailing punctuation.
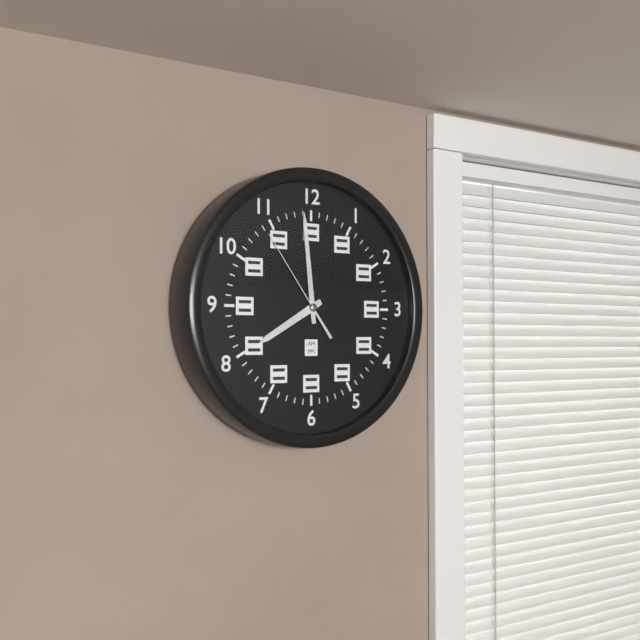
7 h 59 min 54 s
